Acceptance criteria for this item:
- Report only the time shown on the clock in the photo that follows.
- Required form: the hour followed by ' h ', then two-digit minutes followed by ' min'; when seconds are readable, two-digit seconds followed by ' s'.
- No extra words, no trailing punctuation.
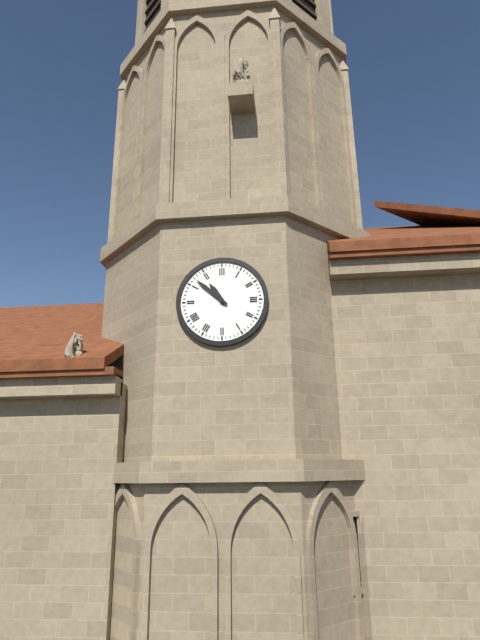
10 h 52 min
